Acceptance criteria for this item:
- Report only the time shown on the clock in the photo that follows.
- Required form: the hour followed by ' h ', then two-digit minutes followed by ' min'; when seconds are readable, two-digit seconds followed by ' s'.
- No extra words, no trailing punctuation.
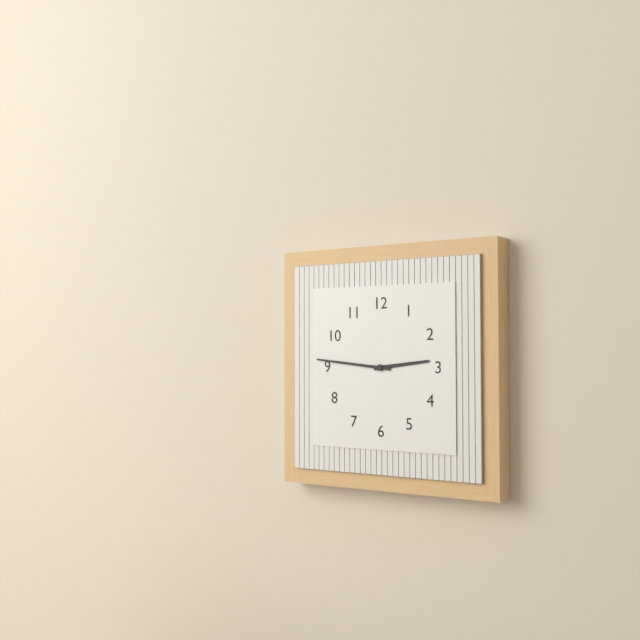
2 h 46 min
